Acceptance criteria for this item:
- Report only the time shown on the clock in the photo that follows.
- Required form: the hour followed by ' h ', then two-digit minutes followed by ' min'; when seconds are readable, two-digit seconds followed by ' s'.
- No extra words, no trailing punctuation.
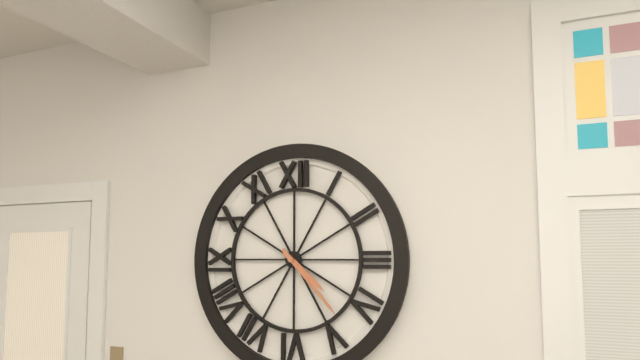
4 h 23 min
